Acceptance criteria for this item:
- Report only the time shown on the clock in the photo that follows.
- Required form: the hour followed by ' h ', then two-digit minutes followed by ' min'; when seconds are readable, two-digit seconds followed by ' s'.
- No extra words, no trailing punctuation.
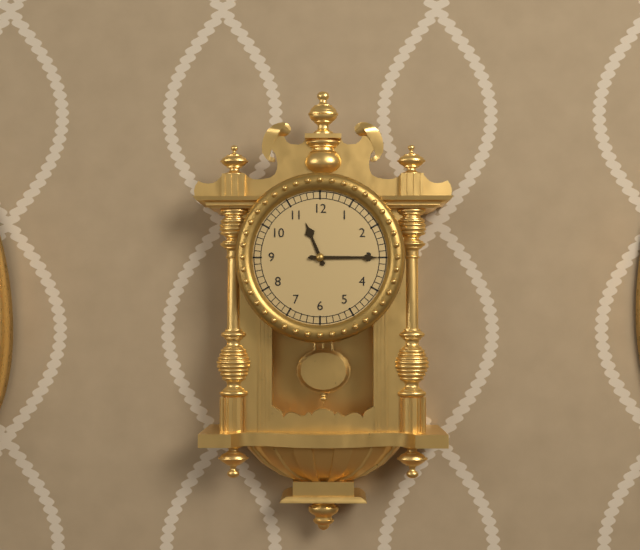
11 h 15 min
